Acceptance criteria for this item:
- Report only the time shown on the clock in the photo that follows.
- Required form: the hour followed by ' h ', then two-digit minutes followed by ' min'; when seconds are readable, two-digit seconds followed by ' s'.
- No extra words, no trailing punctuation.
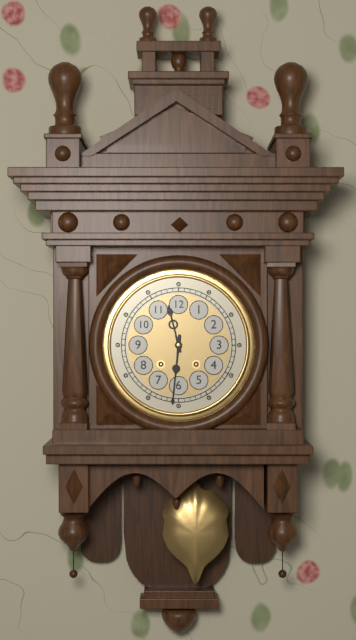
11 h 31 min
